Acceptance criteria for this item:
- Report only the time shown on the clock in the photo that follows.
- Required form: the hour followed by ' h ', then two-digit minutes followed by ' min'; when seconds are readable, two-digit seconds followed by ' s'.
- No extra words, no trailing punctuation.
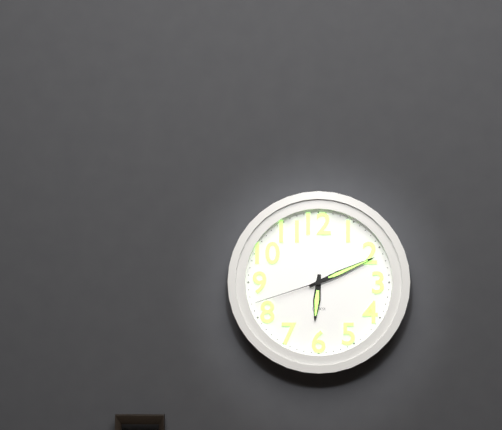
6 h 11 min 42 s
